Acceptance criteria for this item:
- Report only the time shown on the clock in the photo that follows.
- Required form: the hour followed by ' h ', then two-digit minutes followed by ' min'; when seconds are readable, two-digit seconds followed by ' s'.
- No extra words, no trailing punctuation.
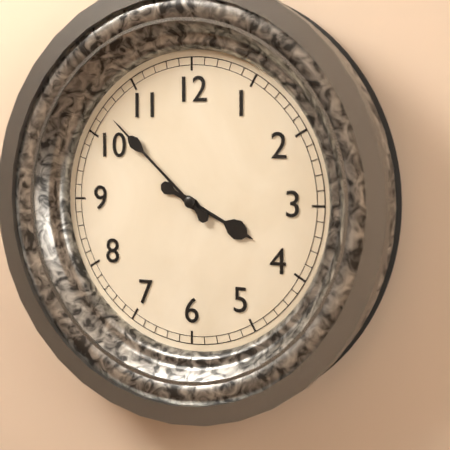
3 h 52 min
